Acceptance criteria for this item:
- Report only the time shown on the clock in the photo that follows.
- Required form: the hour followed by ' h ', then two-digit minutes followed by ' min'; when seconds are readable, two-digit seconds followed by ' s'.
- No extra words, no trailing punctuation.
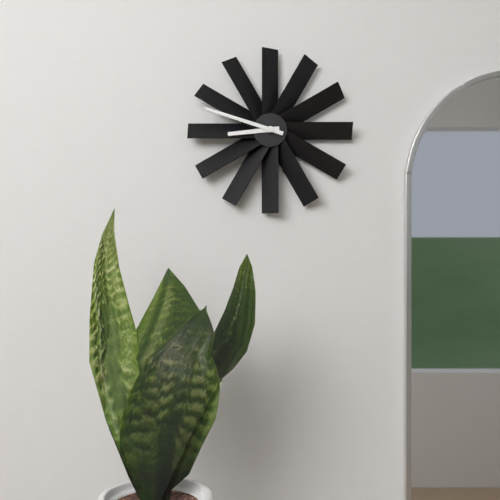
8 h 48 min
